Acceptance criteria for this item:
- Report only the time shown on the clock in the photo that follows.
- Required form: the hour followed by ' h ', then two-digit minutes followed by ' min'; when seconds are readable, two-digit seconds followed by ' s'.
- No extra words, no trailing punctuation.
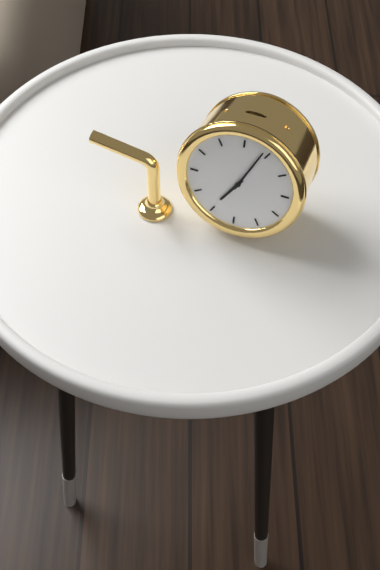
7 h 04 min
